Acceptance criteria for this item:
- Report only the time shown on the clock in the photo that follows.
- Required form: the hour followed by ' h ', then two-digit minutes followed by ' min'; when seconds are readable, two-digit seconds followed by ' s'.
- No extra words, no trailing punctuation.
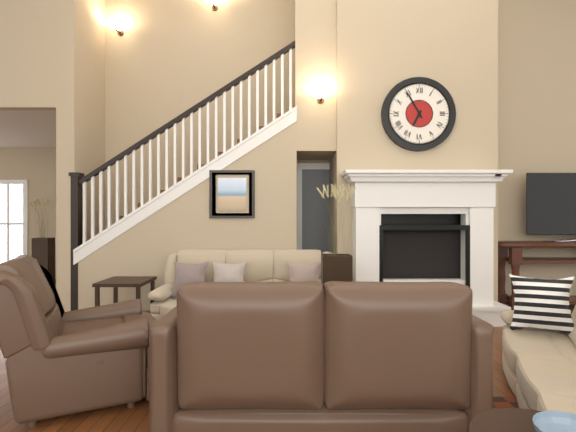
6 h 55 min
